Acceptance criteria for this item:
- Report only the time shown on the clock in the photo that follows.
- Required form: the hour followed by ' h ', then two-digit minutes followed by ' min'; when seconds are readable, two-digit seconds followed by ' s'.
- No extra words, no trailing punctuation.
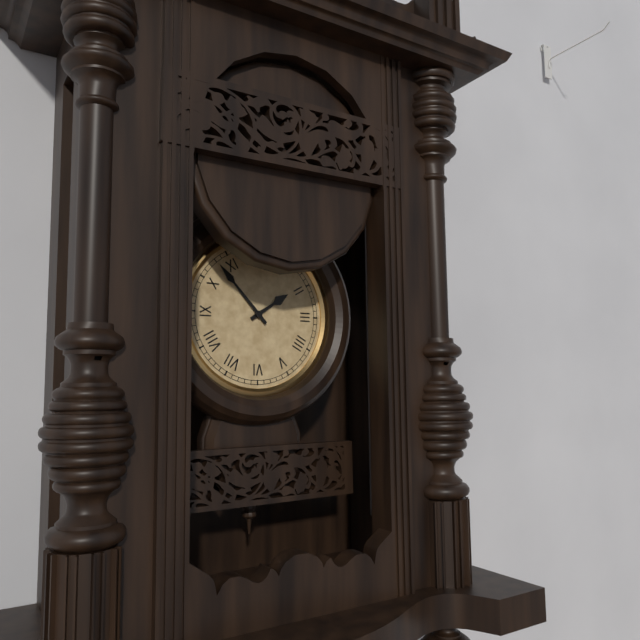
1 h 53 min
